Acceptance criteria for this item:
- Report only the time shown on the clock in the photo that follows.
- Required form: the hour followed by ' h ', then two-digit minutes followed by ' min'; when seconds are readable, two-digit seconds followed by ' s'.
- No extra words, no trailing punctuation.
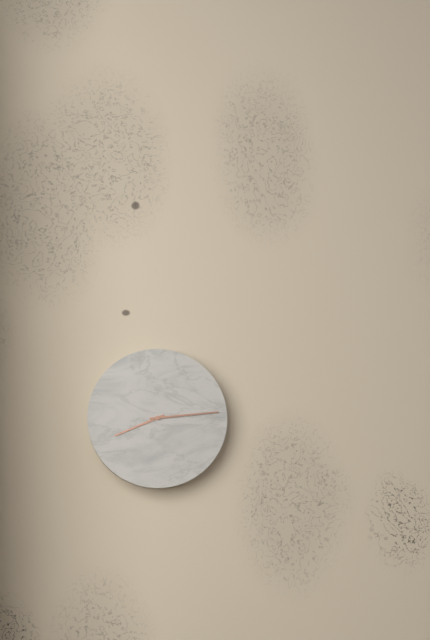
8 h 14 min
